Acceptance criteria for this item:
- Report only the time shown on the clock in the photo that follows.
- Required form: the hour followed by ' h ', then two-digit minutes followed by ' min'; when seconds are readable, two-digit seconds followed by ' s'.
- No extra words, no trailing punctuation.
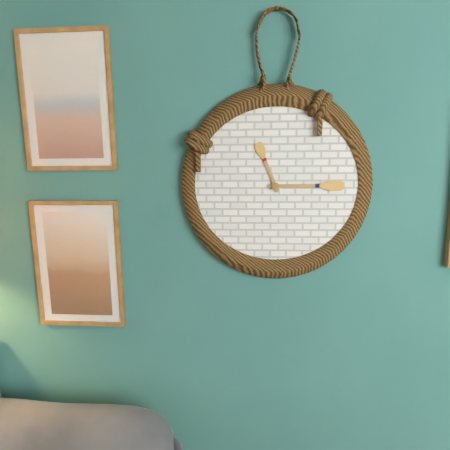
11 h 15 min
